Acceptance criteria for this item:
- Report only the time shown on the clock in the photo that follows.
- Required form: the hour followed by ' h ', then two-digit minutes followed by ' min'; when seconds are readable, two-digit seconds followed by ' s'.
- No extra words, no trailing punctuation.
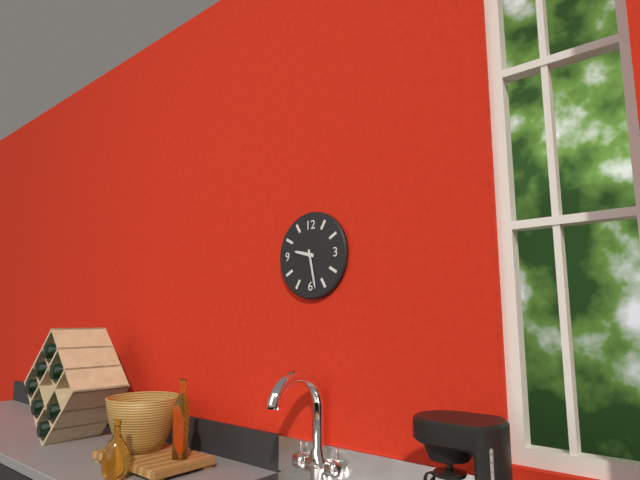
9 h 28 min
